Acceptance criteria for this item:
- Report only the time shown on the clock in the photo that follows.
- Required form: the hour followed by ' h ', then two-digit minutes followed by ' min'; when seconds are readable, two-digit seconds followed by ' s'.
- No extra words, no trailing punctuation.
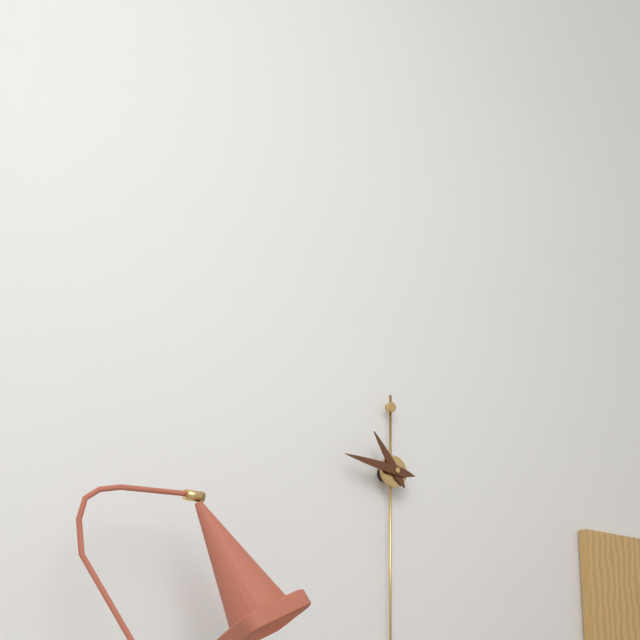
10 h 46 min
